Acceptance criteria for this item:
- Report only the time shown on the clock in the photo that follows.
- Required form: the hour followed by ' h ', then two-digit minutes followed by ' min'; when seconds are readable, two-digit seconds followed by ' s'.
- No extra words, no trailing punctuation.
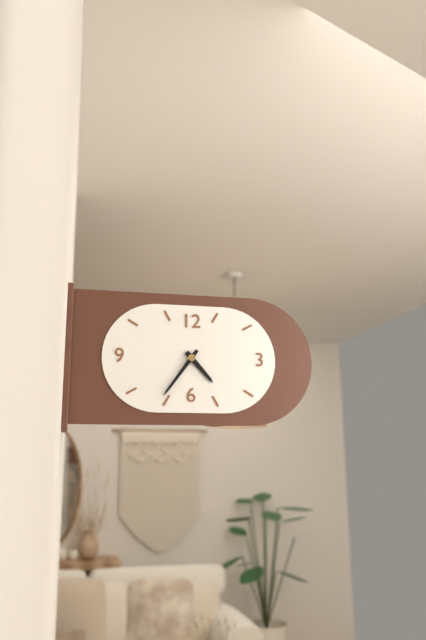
4 h 36 min
